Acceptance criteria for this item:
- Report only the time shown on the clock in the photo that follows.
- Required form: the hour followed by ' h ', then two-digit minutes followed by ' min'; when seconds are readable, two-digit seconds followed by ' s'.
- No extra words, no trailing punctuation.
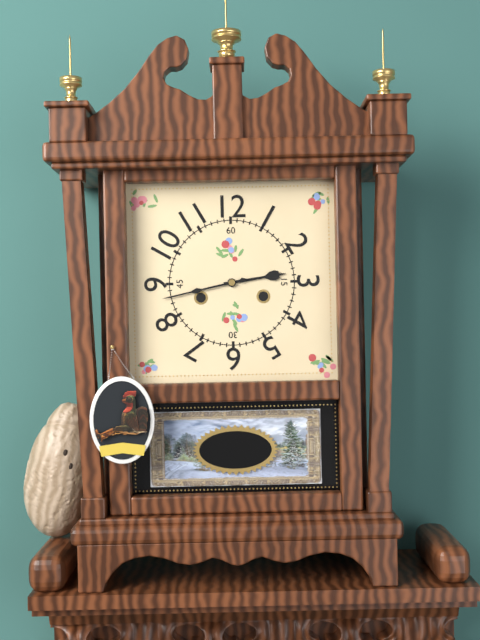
2 h 43 min
